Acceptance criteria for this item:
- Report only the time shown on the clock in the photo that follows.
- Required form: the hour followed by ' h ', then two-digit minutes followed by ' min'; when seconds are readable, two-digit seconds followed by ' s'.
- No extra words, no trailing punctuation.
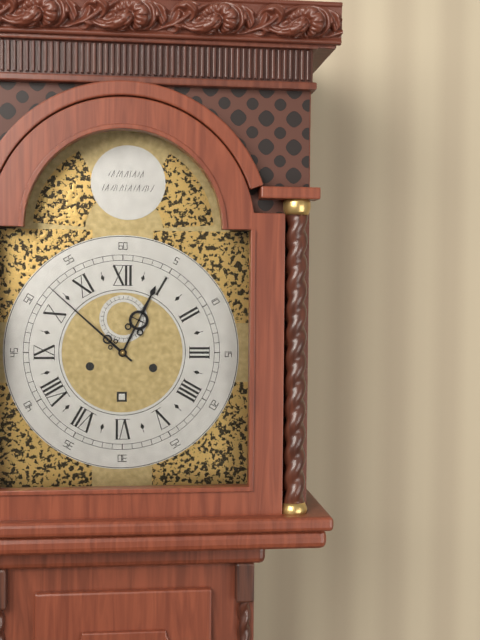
12 h 52 min
